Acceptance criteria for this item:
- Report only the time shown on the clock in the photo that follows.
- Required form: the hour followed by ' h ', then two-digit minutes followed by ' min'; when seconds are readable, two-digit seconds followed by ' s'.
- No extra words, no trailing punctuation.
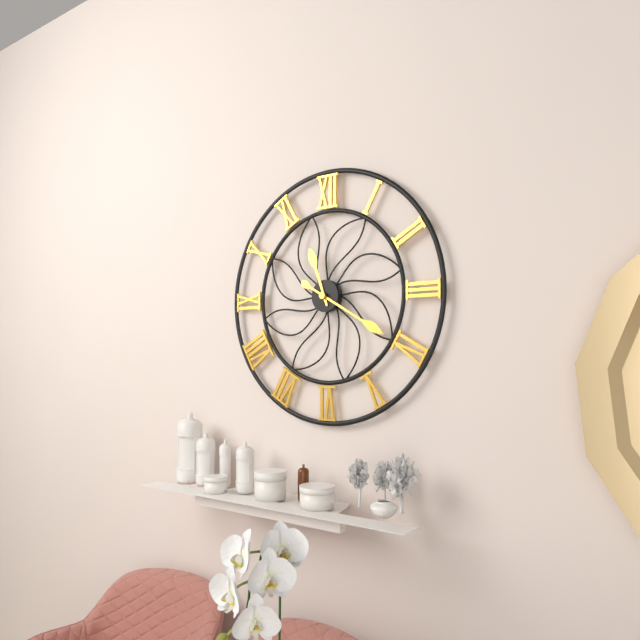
11 h 20 min
